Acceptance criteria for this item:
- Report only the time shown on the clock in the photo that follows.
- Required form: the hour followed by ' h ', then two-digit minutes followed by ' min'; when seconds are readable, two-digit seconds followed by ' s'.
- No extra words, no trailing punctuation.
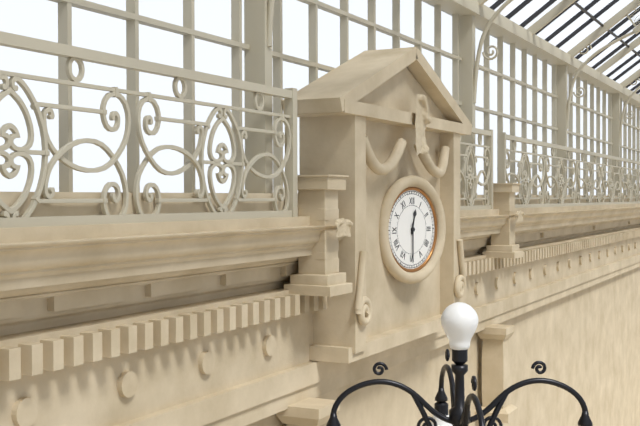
12 h 30 min
